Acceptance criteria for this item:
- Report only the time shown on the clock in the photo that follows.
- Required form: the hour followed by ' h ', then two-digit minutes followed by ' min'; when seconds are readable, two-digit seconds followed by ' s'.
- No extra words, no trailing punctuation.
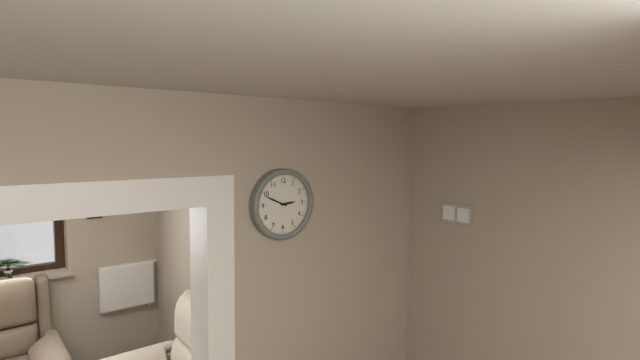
2 h 49 min
